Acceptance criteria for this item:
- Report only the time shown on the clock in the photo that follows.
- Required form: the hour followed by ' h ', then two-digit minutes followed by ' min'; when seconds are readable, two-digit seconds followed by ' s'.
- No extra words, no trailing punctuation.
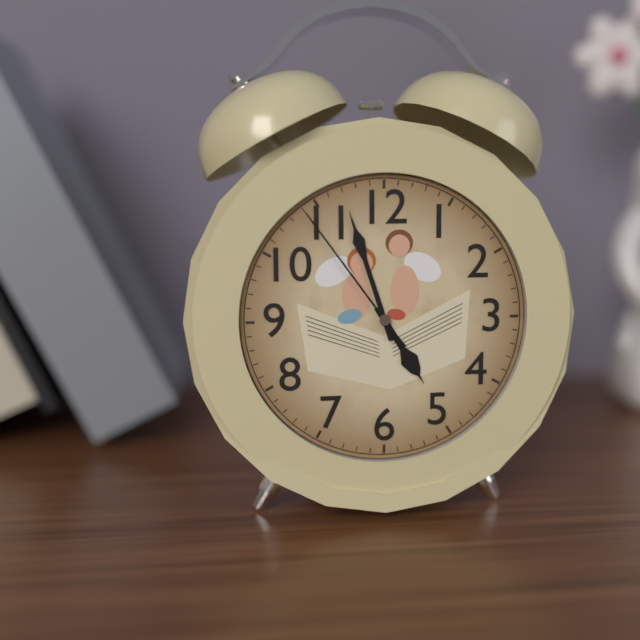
4 h 57 min 54 s
